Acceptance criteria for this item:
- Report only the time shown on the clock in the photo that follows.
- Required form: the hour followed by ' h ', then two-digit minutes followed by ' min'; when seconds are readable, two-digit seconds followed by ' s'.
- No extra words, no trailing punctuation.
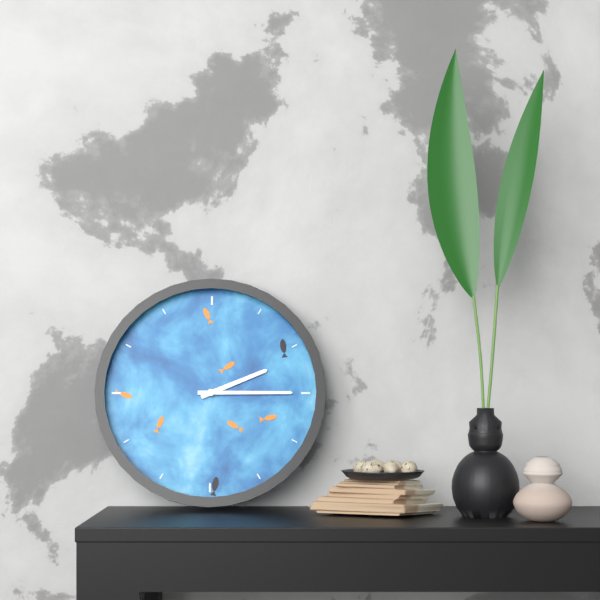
2 h 15 min
